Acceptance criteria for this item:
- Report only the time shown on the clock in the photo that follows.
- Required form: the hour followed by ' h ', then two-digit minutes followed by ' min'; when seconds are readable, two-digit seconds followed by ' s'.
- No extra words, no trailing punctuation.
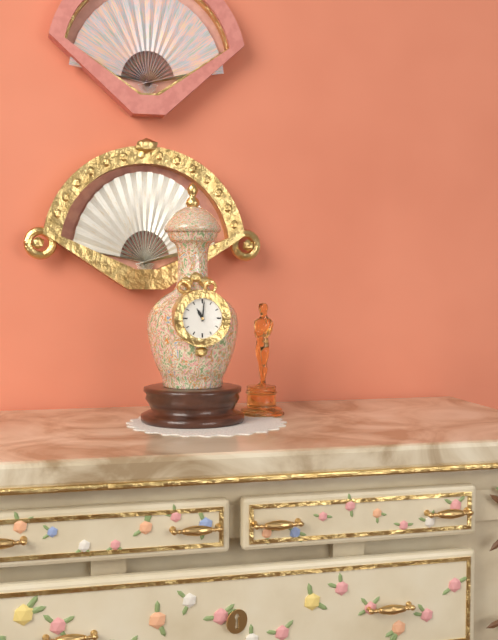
11 h 01 min
